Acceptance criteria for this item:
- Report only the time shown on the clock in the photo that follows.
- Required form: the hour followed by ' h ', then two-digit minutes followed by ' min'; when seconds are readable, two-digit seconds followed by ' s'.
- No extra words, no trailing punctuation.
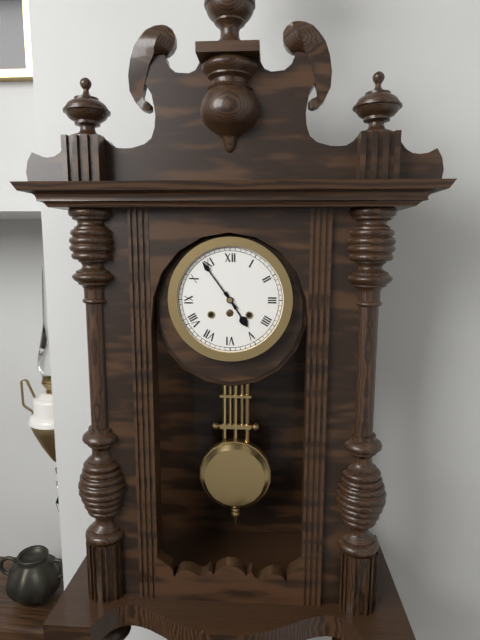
4 h 54 min
